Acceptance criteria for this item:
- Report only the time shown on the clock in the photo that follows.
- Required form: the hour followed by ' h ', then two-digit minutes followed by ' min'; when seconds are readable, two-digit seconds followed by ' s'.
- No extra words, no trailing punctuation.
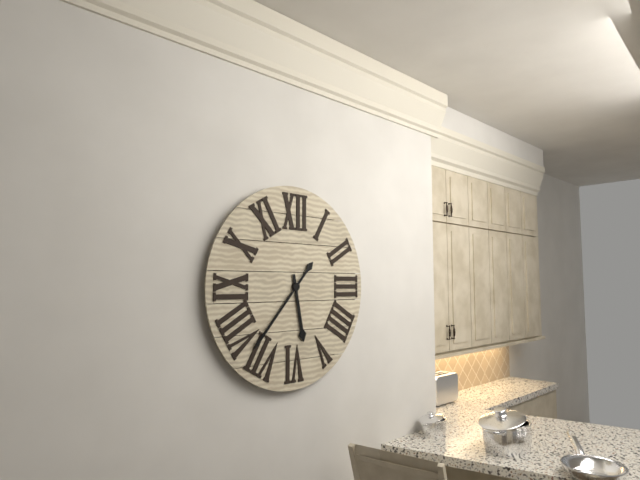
5 h 37 min
